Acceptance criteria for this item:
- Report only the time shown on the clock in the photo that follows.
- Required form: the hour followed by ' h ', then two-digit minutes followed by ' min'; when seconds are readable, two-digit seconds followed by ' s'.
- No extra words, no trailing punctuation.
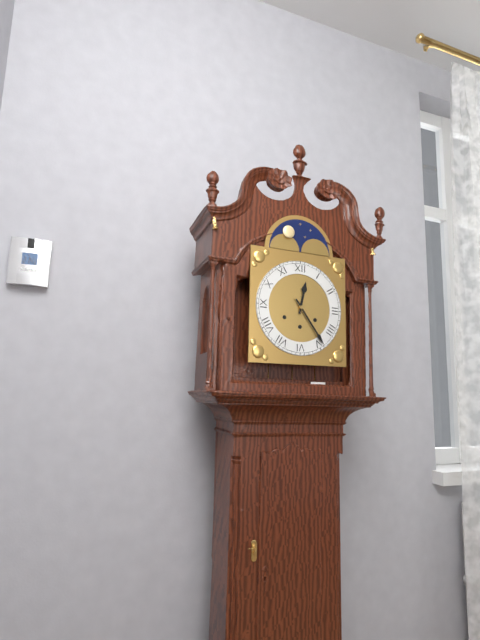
12 h 24 min
